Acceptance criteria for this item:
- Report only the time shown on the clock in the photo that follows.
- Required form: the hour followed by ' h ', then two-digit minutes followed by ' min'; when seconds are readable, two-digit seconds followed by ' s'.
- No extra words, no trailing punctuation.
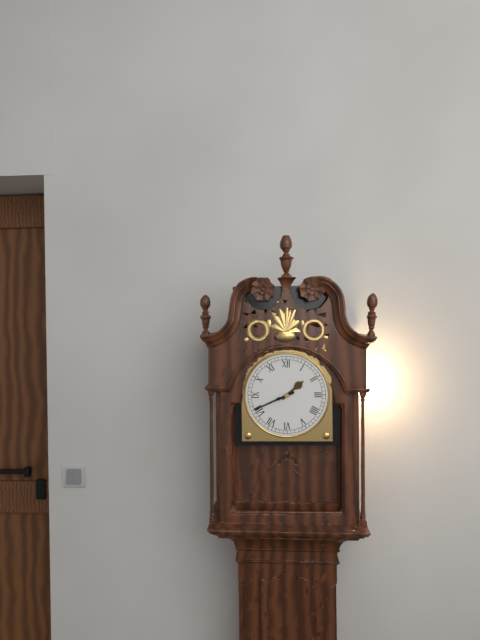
1 h 41 min
